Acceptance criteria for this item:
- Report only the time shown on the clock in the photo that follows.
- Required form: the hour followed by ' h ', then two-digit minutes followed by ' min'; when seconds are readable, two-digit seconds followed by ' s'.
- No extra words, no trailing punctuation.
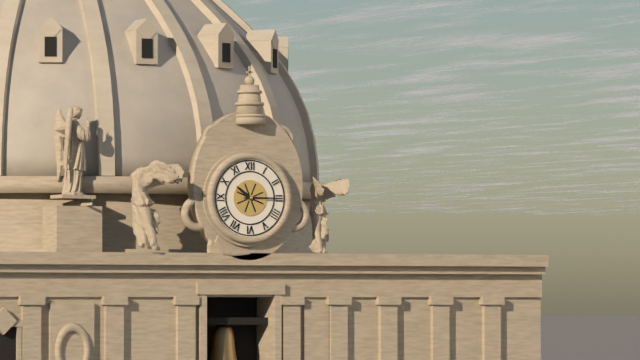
10 h 15 min
